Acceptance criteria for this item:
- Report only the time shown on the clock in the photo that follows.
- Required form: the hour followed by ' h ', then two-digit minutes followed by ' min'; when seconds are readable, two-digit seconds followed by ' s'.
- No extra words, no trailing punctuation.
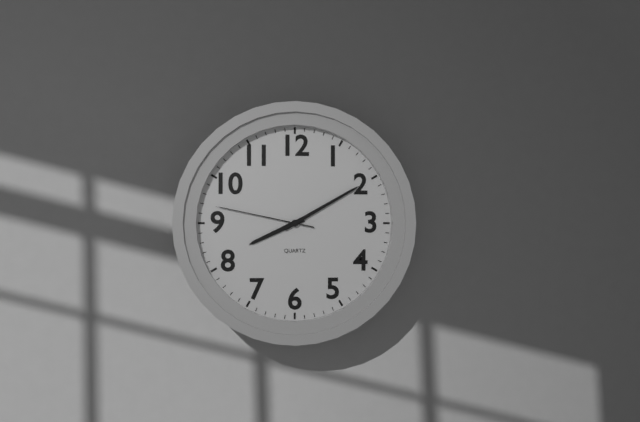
8 h 10 min 47 s
